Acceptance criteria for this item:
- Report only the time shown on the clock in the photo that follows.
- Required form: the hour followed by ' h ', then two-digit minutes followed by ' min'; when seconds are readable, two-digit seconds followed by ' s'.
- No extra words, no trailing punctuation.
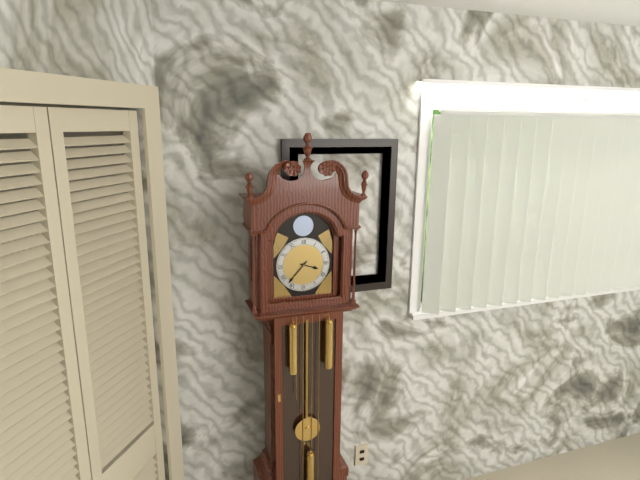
3 h 37 min
